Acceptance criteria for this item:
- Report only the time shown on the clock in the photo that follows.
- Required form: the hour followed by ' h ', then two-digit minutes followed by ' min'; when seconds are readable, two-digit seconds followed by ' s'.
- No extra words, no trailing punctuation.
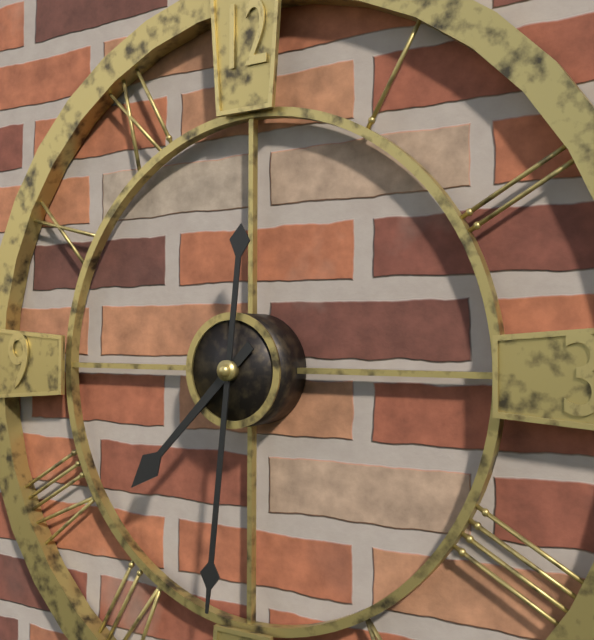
7 h 31 min
